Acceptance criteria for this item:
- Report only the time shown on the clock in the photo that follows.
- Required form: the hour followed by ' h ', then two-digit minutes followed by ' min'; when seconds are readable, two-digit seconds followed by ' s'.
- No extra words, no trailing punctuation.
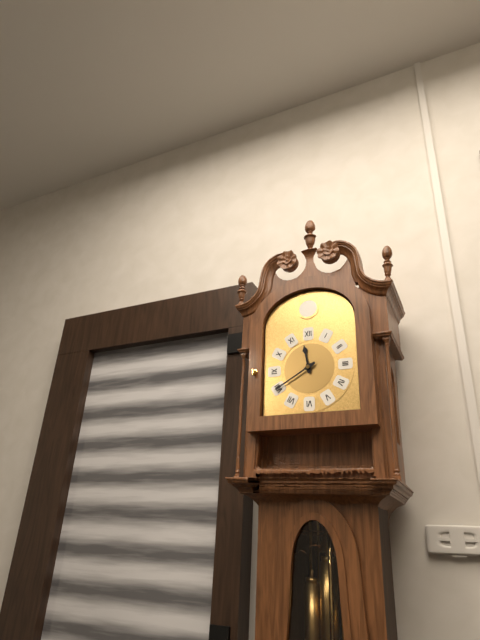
11 h 40 min
